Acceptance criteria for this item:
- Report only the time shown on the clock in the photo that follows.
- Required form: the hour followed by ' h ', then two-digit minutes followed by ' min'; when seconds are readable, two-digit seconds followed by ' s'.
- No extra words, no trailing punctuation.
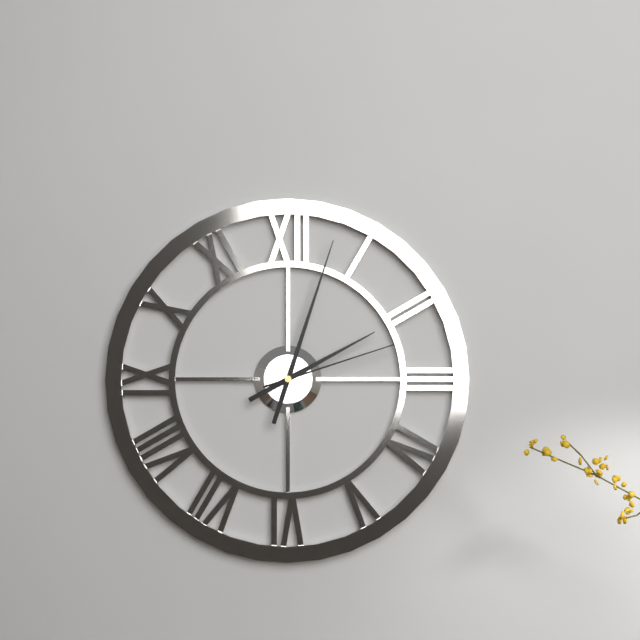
2 h 03 min 12 s
